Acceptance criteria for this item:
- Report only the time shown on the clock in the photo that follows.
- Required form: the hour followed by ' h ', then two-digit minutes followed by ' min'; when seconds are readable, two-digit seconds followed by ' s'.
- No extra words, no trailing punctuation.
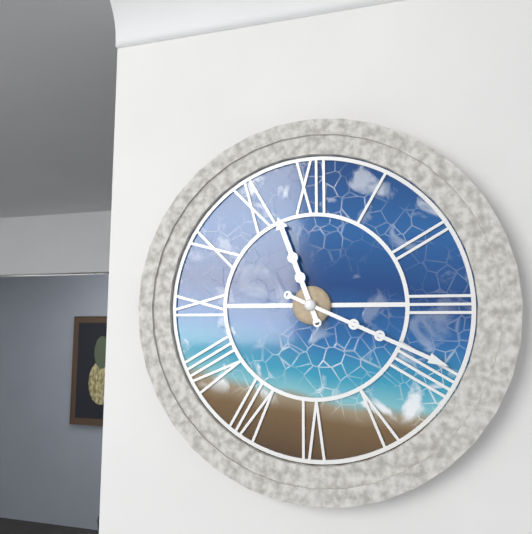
11 h 19 min
